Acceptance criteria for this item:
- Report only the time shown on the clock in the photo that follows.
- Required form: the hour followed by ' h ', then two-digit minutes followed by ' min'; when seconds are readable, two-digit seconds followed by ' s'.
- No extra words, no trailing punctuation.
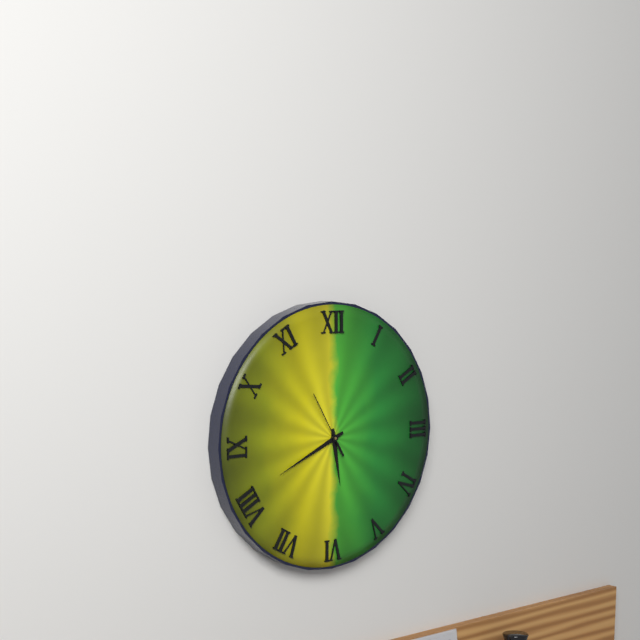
5 h 41 min 55 s
